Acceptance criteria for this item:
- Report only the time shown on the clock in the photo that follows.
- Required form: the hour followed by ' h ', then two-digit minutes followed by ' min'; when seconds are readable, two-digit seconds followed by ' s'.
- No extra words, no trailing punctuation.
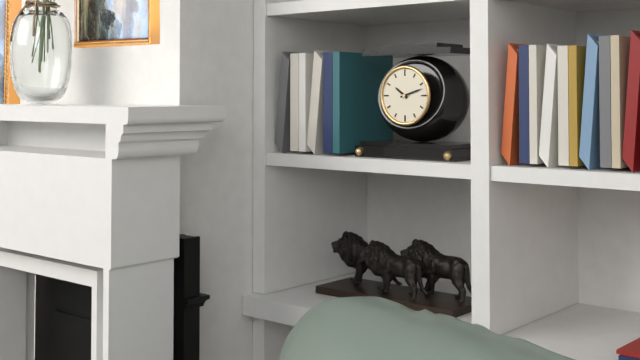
10 h 12 min
